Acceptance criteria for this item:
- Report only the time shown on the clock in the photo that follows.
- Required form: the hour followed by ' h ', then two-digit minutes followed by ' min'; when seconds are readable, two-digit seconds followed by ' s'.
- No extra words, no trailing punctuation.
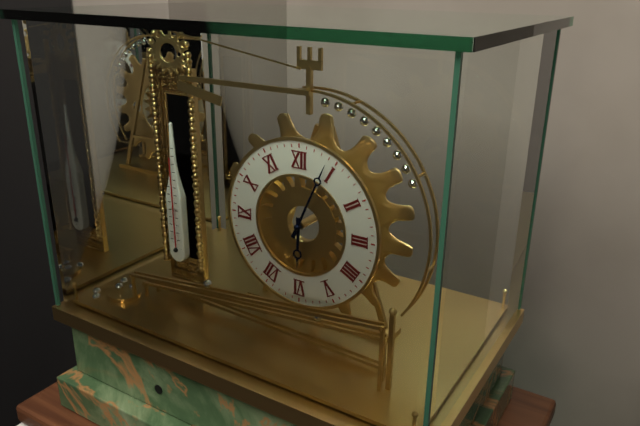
6 h 04 min
